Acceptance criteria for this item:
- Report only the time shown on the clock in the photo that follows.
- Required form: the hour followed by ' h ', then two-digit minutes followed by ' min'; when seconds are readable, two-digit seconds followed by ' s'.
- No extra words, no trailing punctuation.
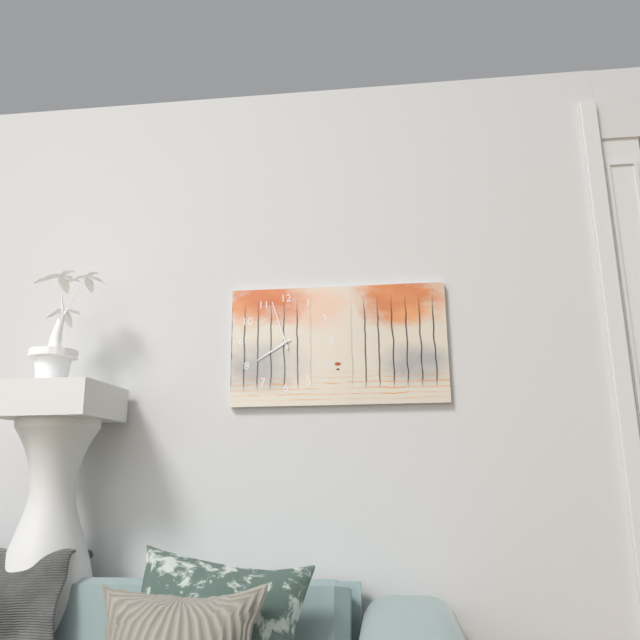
7 h 57 min
